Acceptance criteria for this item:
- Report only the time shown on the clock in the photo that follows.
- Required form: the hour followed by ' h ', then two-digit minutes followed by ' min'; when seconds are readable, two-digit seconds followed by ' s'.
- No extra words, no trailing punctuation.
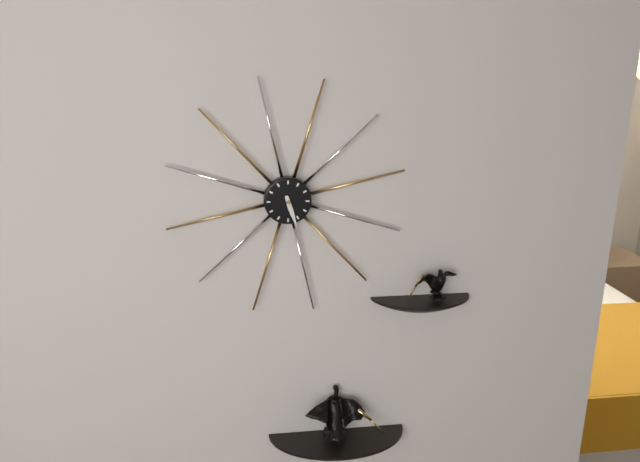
5 h 27 min
